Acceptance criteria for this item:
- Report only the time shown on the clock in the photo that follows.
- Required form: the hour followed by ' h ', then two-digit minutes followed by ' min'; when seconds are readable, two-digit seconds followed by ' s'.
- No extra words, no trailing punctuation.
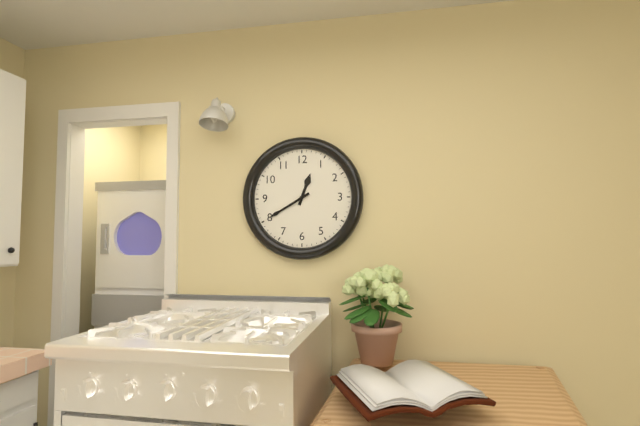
12 h 40 min
